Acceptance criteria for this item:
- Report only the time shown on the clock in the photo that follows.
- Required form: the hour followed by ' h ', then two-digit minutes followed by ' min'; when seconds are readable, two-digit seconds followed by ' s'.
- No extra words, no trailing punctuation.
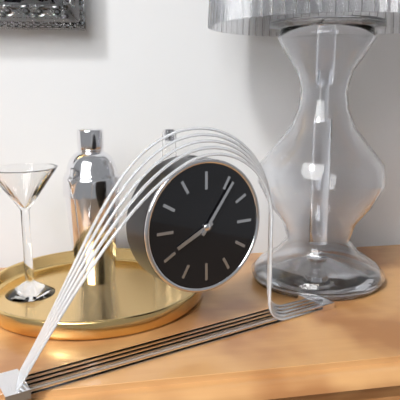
8 h 06 min
